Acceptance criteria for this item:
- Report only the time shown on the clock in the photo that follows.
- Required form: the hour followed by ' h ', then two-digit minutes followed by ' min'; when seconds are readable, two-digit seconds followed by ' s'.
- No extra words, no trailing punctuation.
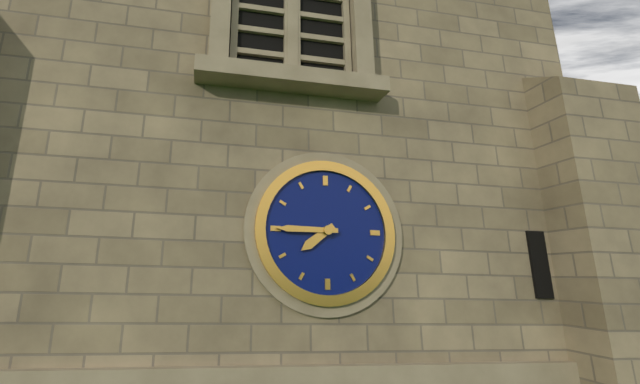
7 h 45 min
